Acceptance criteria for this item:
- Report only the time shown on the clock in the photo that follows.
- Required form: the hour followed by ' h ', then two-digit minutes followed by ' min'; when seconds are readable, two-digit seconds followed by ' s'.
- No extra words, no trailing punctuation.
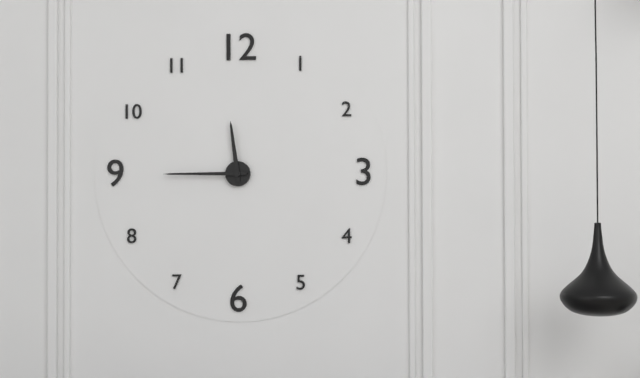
11 h 45 min
